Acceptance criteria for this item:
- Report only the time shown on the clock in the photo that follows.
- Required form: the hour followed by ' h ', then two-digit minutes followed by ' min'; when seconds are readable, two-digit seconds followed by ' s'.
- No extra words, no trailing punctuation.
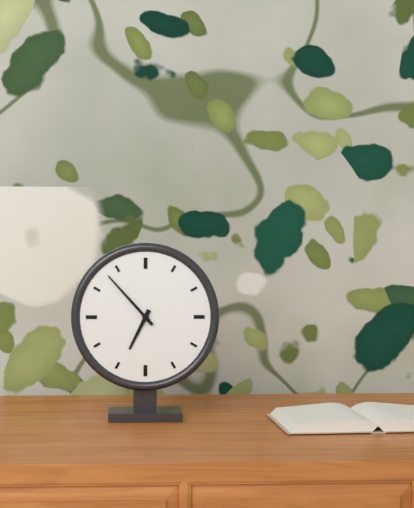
6 h 53 min
